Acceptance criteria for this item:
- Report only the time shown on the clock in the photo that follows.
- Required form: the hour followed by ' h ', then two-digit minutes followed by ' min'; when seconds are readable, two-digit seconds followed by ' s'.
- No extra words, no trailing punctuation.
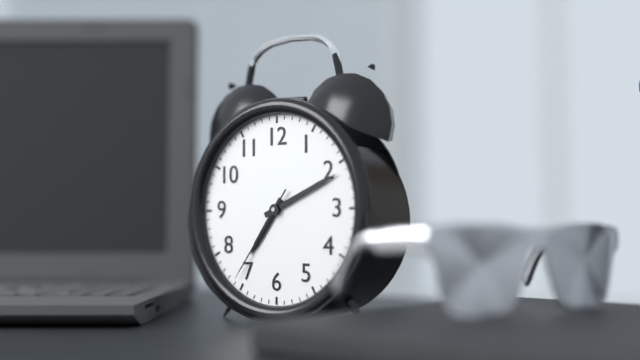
7 h 11 min 36 s
